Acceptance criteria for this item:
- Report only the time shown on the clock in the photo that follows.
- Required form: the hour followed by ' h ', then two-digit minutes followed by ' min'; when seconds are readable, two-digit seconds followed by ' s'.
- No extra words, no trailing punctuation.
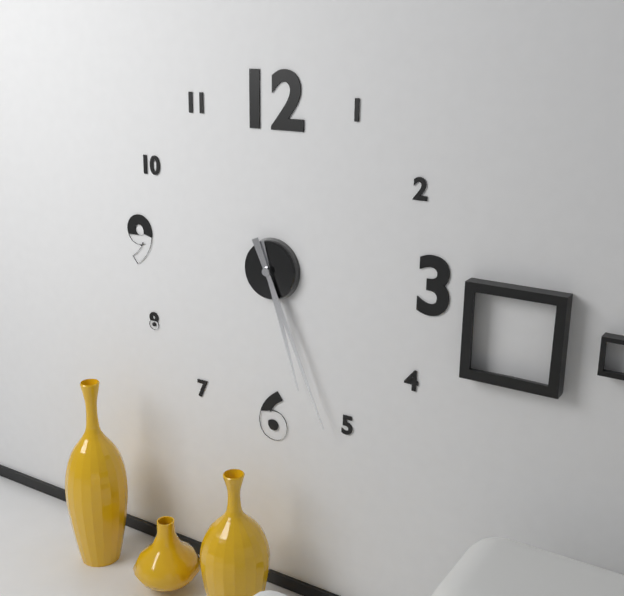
5 h 26 min
